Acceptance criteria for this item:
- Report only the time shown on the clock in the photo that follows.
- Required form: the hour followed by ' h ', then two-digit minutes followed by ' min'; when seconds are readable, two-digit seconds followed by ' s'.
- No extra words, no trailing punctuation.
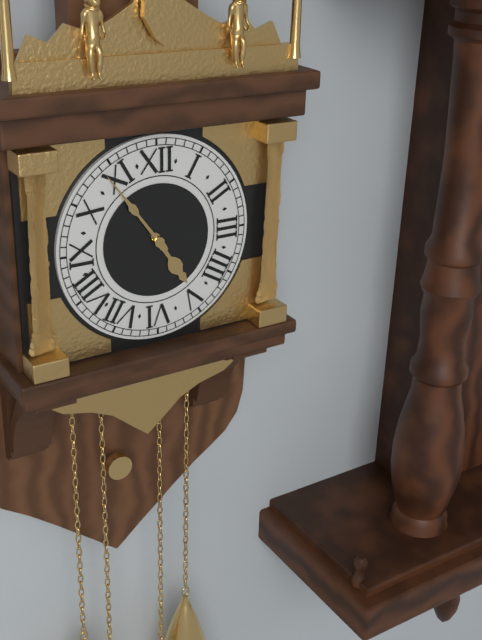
4 h 54 min
